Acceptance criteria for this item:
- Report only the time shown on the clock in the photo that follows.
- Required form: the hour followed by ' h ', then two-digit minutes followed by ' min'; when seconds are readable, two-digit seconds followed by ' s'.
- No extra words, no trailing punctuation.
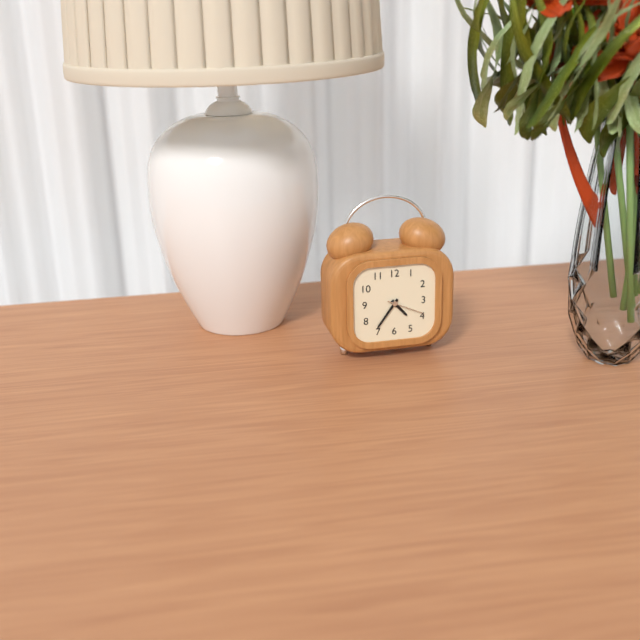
4 h 36 min
